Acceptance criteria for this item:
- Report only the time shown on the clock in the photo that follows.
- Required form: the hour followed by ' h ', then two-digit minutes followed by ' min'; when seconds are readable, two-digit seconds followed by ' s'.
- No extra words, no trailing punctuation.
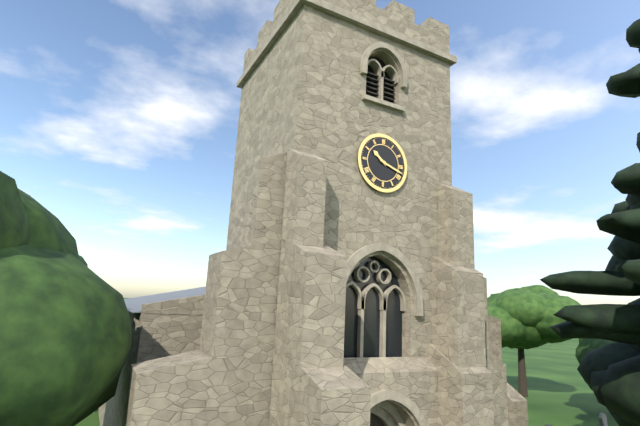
10 h 18 min
